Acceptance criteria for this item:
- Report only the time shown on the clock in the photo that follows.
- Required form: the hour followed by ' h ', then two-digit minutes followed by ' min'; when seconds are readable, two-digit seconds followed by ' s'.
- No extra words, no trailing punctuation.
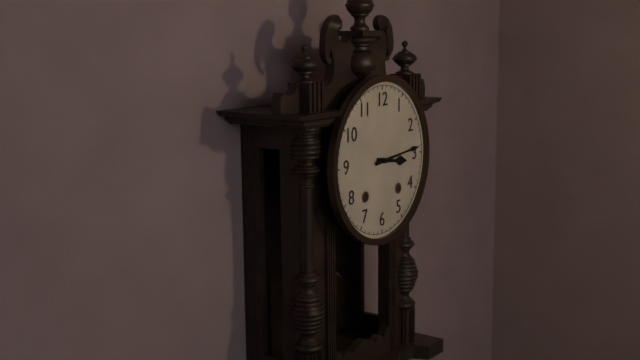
3 h 14 min
